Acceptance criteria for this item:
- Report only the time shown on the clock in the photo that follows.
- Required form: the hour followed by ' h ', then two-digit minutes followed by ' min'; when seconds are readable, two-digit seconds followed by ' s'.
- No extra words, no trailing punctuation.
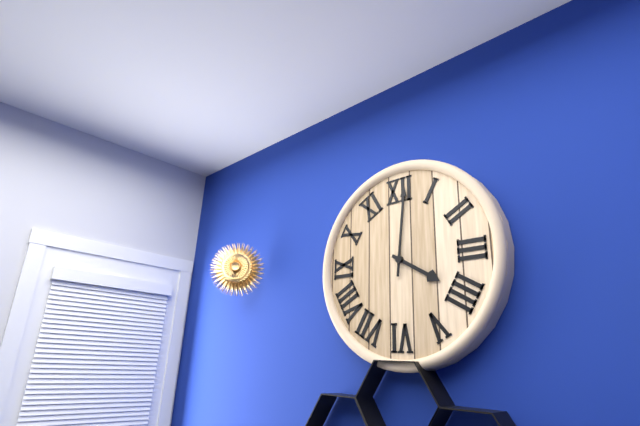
4 h 01 min
